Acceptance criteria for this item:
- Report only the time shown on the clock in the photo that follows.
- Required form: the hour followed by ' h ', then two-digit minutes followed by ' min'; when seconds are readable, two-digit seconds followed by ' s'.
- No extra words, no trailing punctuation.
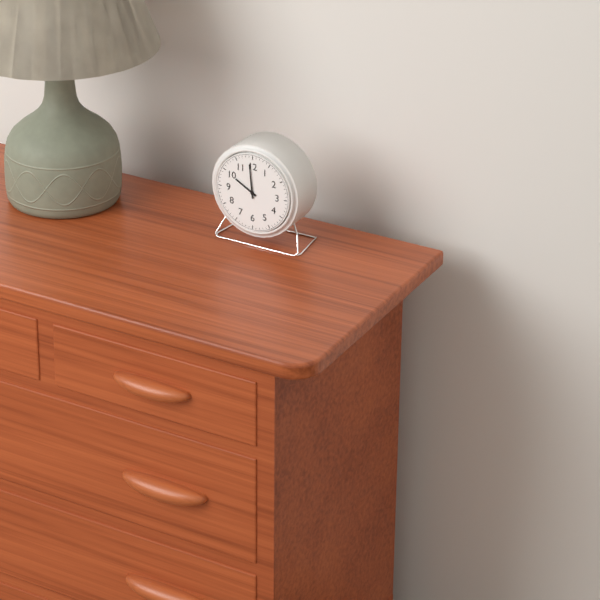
9 h 59 min
